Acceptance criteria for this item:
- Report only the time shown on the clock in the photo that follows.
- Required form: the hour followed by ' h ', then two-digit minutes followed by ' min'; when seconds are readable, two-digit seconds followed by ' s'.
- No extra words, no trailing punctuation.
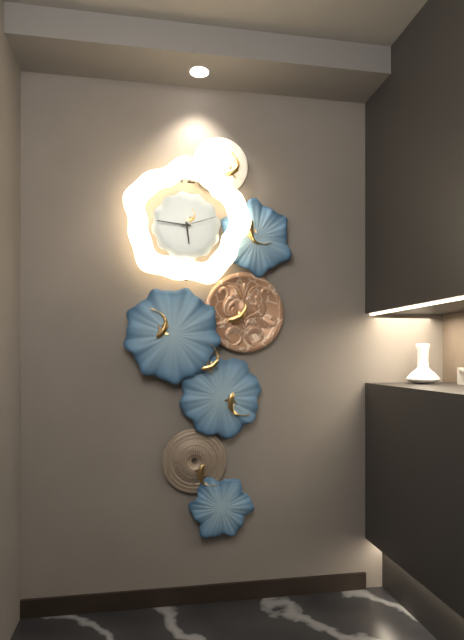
5 h 46 min
